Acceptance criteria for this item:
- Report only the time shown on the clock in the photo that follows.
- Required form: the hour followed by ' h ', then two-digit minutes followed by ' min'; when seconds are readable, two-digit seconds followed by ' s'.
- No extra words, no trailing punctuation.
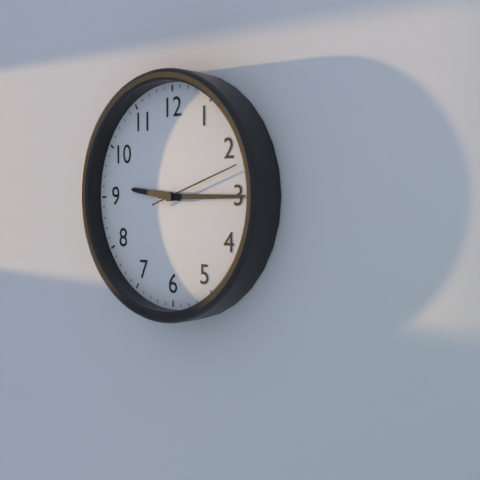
9 h 15 min 12 s
